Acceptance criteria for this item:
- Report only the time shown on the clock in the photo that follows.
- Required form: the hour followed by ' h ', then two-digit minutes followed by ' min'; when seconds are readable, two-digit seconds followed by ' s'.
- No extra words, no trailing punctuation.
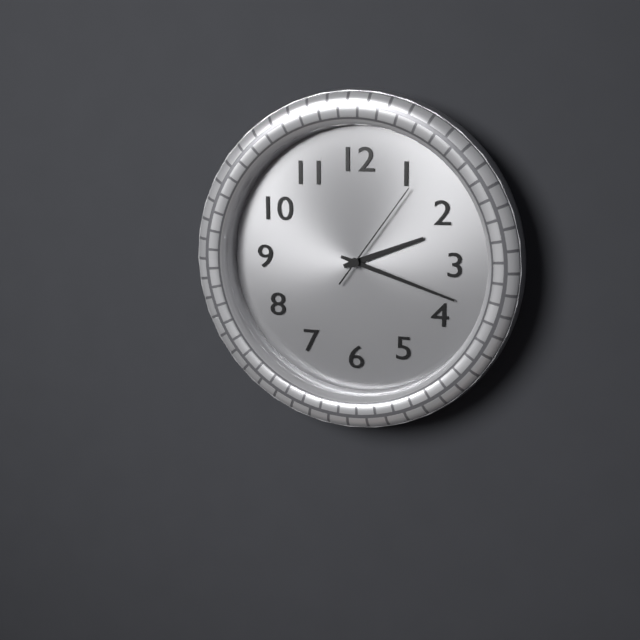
2 h 18 min 06 s
